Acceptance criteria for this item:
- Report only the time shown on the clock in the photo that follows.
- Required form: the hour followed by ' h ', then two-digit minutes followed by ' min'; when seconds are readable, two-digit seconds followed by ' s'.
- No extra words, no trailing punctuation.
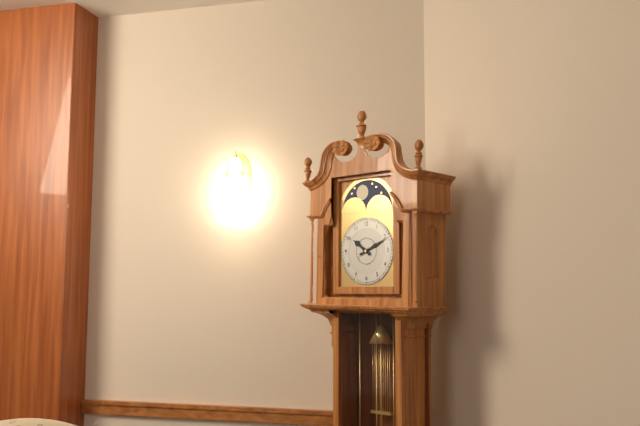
10 h 11 min
